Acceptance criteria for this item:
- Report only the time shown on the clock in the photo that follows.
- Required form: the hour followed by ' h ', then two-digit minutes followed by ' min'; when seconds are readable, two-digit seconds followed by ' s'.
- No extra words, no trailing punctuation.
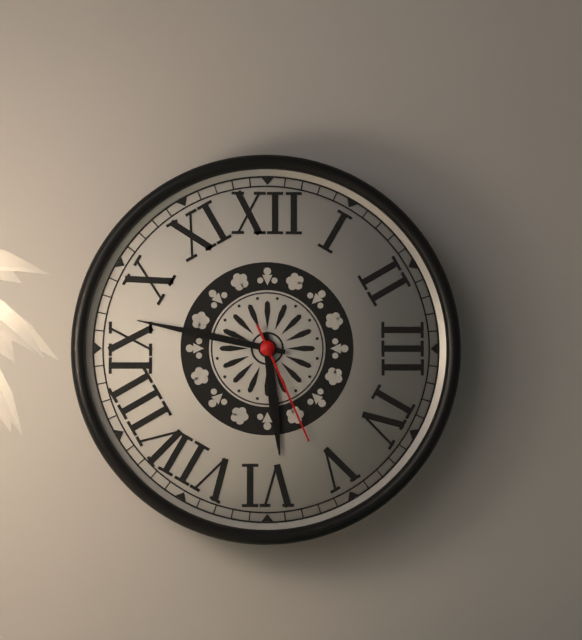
5 h 47 min 26 s
